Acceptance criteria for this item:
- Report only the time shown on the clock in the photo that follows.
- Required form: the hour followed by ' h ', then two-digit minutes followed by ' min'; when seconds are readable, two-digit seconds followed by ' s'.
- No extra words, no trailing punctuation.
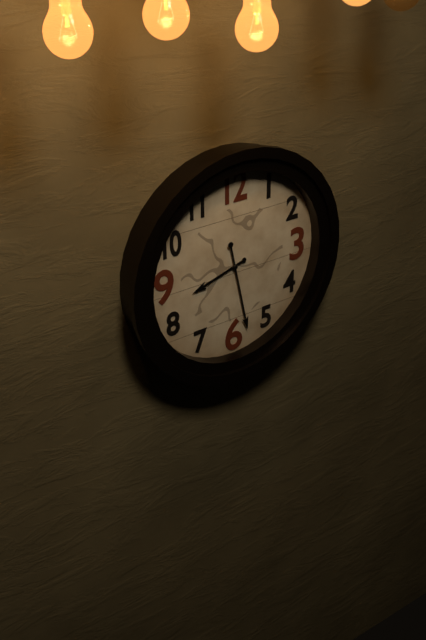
8 h 28 min
